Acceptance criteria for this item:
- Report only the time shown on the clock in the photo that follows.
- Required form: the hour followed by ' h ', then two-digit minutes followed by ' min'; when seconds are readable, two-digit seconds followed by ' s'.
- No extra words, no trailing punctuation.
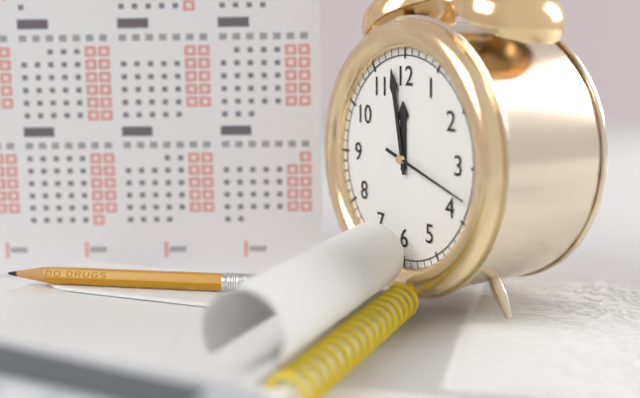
11 h 58 min 18 s
